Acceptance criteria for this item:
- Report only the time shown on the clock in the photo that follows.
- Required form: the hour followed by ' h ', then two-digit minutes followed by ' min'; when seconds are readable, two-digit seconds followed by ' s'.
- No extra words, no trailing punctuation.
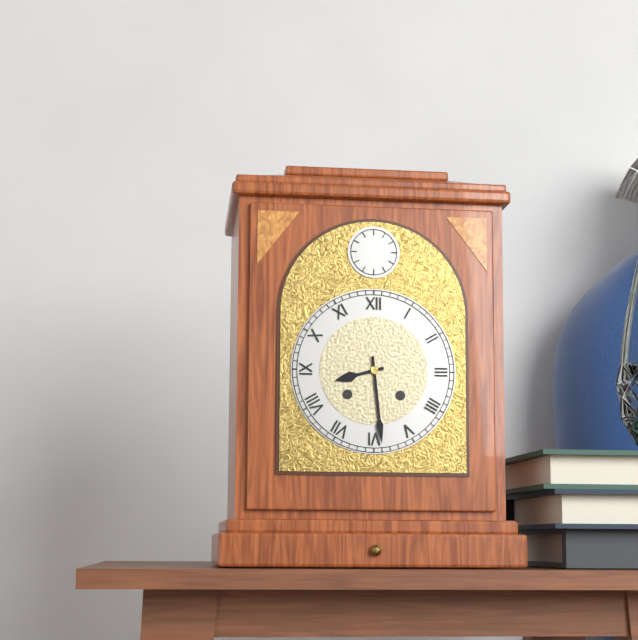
8 h 29 min
